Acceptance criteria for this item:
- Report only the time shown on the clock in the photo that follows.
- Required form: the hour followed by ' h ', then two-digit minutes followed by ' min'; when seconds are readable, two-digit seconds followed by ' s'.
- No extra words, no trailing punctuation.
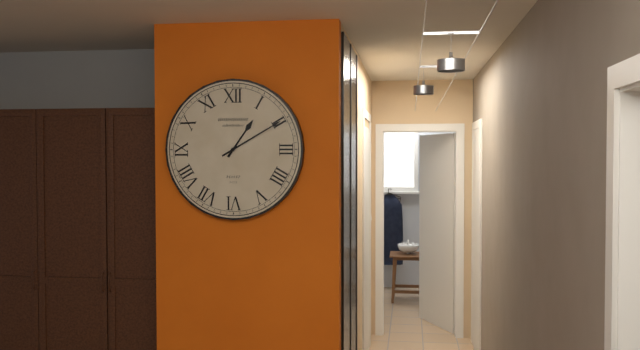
1 h 10 min
